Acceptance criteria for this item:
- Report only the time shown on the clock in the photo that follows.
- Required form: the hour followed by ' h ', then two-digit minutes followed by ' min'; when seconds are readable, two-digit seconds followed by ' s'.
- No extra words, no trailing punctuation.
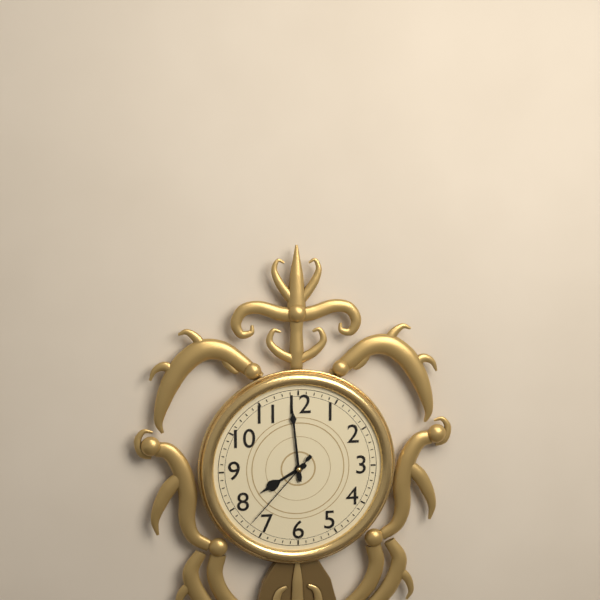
7 h 59 min 37 s
